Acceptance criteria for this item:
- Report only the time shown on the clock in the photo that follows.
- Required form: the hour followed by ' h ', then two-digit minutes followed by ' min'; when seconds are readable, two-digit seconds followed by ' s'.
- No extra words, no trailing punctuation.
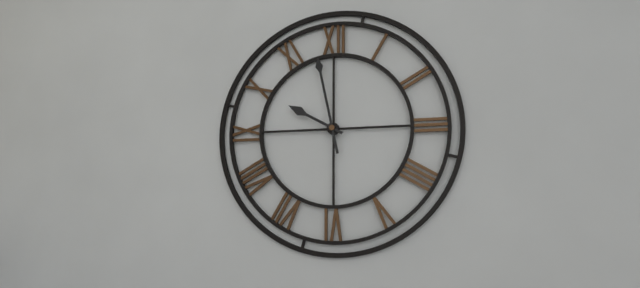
9 h 58 min
